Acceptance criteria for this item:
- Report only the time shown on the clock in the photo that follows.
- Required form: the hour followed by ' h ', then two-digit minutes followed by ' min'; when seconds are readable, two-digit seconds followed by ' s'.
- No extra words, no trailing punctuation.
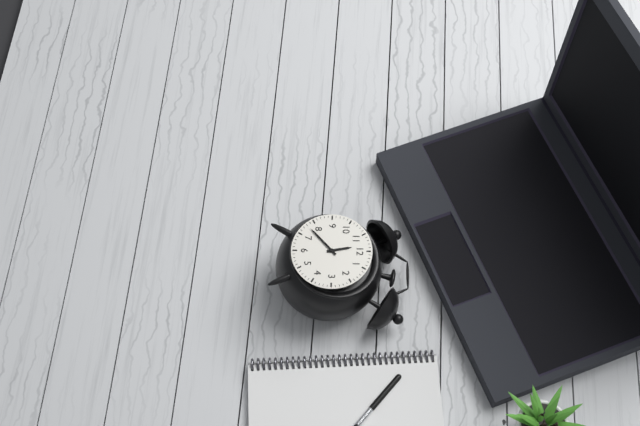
11 h 38 min
